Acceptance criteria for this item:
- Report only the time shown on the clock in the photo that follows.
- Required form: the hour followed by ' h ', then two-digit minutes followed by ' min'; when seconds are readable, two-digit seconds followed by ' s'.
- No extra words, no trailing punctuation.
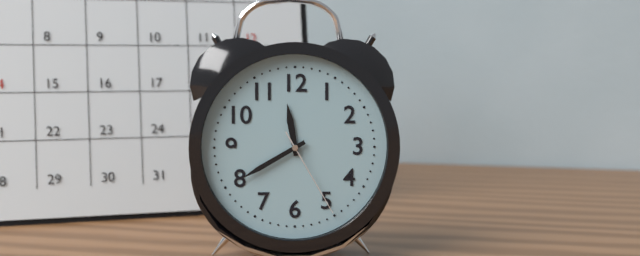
11 h 40 min 25 s
